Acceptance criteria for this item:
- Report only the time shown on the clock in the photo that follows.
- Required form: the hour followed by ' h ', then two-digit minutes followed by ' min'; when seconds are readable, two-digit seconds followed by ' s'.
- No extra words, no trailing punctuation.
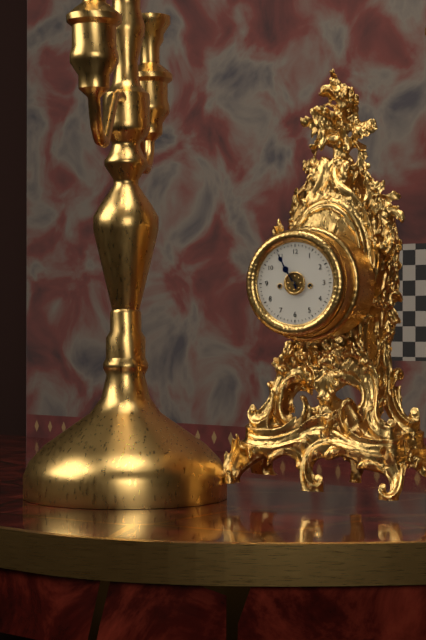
10 h 55 min
